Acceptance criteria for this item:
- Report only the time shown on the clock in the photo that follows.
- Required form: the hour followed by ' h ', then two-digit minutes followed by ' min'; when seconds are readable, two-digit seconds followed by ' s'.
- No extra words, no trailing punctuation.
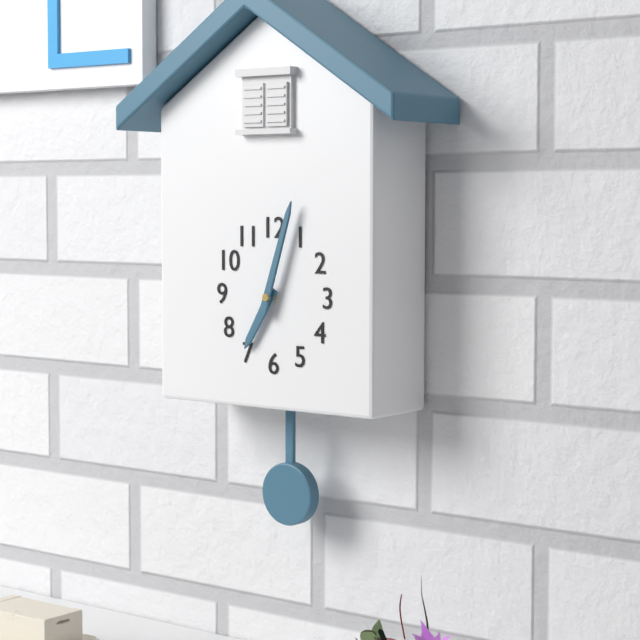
7 h 03 min
